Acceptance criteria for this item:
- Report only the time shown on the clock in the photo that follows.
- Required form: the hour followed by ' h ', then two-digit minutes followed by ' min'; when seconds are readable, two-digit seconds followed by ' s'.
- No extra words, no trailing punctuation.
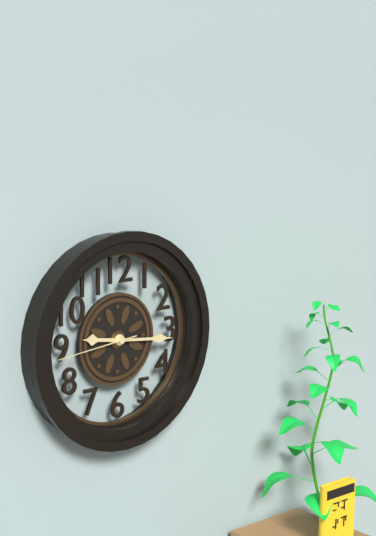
9 h 16 min 44 s
